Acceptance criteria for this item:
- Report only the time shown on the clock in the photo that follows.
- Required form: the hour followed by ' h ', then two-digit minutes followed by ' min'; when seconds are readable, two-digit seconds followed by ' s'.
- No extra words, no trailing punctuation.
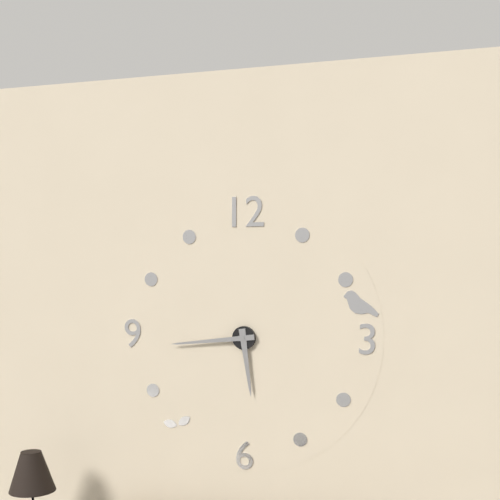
5 h 44 min
